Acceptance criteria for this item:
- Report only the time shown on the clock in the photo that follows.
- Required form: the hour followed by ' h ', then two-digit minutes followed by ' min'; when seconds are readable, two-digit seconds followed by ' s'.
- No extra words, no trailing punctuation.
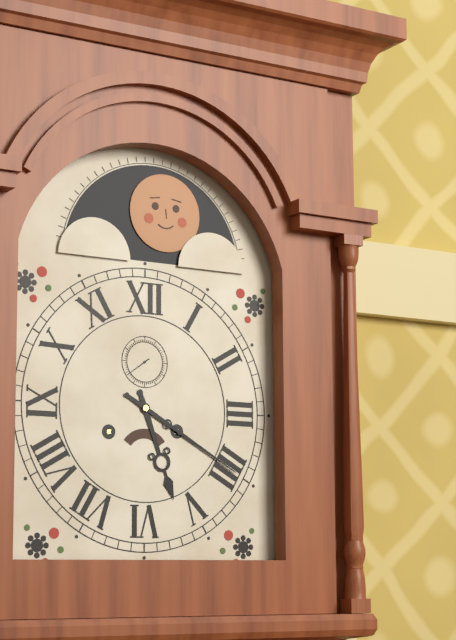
5 h 20 min
